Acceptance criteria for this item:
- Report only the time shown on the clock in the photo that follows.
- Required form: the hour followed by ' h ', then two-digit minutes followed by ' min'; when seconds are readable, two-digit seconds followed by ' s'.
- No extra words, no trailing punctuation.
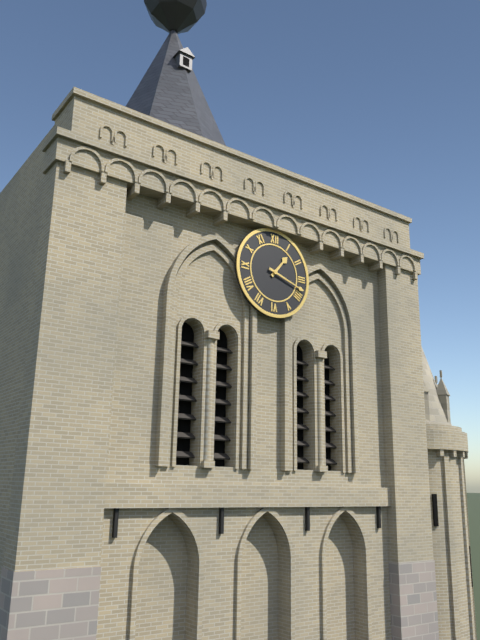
1 h 18 min
